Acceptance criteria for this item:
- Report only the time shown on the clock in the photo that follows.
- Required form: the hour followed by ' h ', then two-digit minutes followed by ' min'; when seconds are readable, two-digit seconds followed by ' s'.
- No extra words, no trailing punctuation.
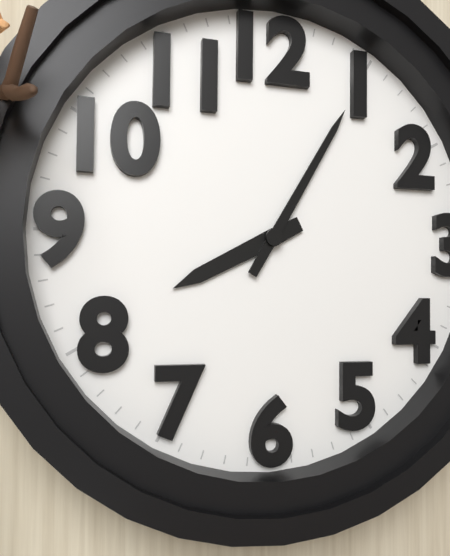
8 h 05 min
